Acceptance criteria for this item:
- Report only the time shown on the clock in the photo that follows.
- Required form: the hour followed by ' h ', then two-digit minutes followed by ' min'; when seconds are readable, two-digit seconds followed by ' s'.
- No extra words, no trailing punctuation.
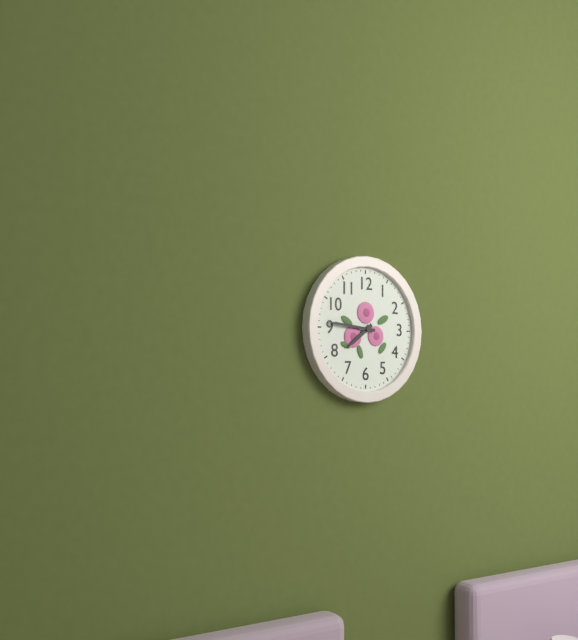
7 h 46 min
